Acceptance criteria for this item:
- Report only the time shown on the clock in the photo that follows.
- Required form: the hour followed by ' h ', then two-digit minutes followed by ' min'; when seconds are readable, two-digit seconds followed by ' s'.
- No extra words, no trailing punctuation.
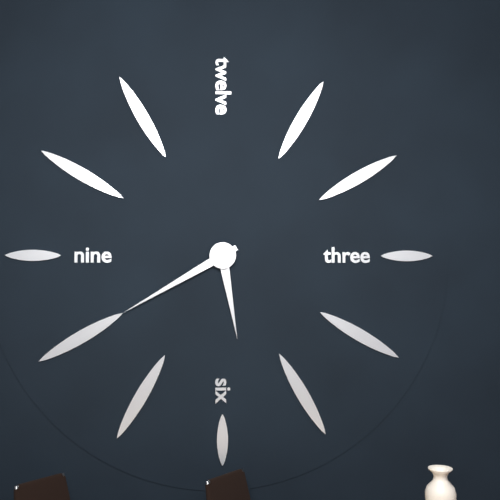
5 h 40 min
